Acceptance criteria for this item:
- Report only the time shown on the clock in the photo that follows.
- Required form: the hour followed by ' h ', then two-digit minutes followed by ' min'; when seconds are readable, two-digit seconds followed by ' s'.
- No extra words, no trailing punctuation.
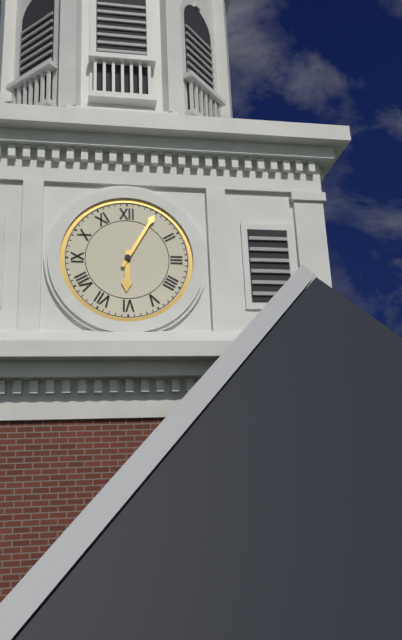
6 h 05 min
